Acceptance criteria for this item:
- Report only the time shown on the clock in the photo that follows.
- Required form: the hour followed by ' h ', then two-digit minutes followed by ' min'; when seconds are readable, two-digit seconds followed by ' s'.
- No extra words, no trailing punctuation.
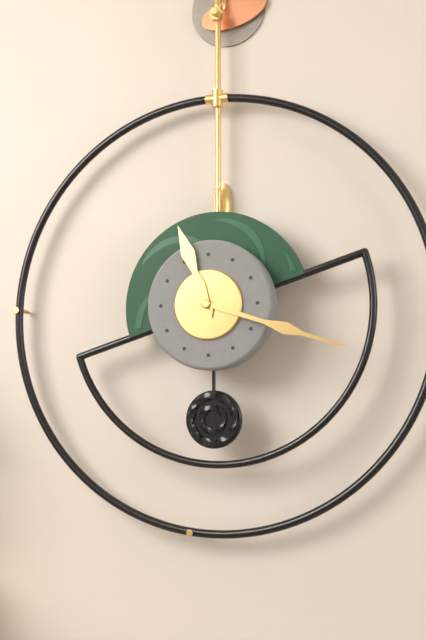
11 h 18 min
